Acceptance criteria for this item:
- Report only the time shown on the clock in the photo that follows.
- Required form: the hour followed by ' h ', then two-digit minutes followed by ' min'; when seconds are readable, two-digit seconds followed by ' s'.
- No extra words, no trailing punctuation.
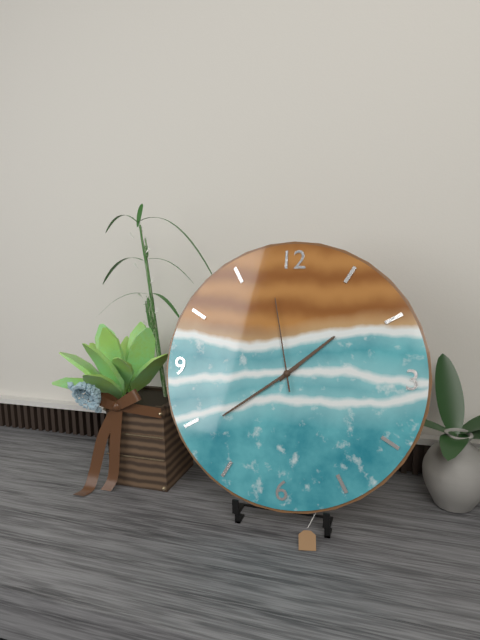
1 h 39 min 58 s
